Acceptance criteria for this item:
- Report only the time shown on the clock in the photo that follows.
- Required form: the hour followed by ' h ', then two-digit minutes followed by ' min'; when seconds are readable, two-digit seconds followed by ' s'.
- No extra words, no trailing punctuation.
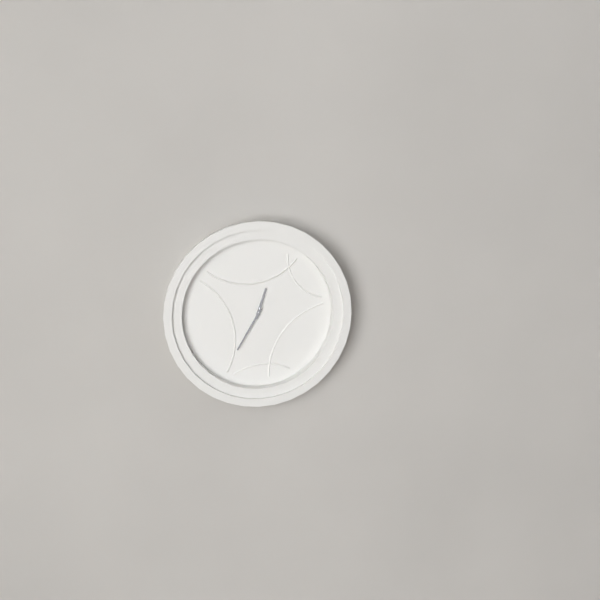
12 h 35 min
